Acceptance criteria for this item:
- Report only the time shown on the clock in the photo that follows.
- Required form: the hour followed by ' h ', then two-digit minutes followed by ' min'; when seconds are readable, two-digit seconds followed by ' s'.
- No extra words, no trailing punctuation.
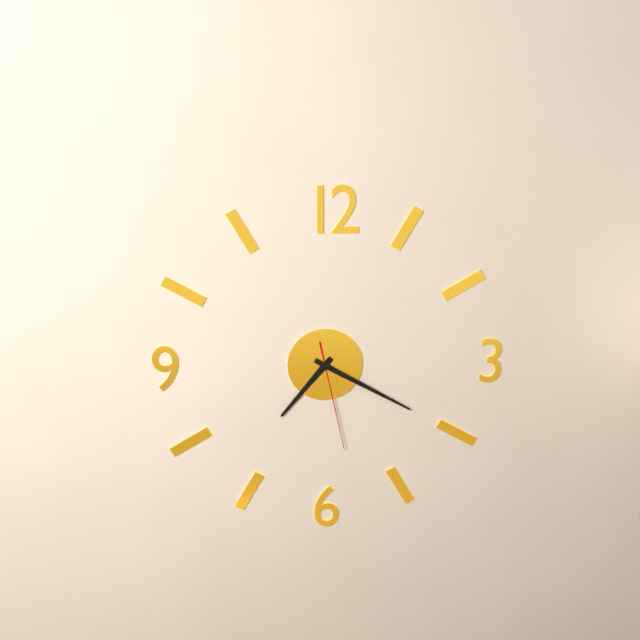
7 h 20 min 28 s
